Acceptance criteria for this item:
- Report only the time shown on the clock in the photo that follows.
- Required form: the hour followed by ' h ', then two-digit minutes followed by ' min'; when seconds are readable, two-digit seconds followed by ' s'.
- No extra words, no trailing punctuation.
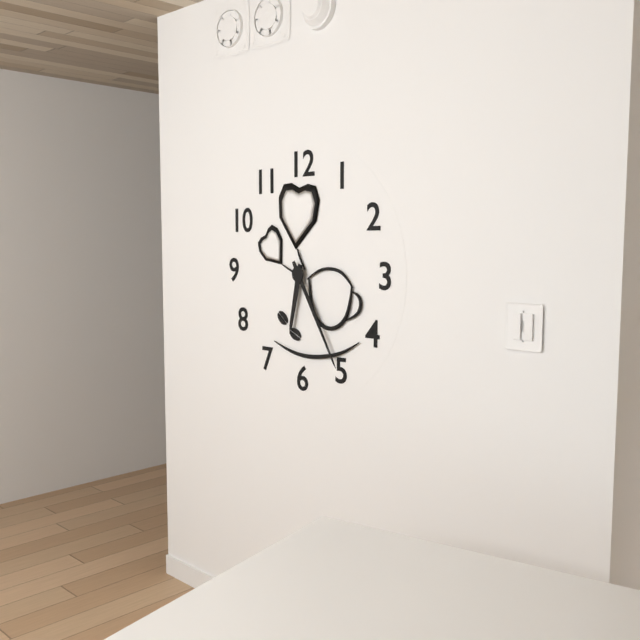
6 h 25 min
